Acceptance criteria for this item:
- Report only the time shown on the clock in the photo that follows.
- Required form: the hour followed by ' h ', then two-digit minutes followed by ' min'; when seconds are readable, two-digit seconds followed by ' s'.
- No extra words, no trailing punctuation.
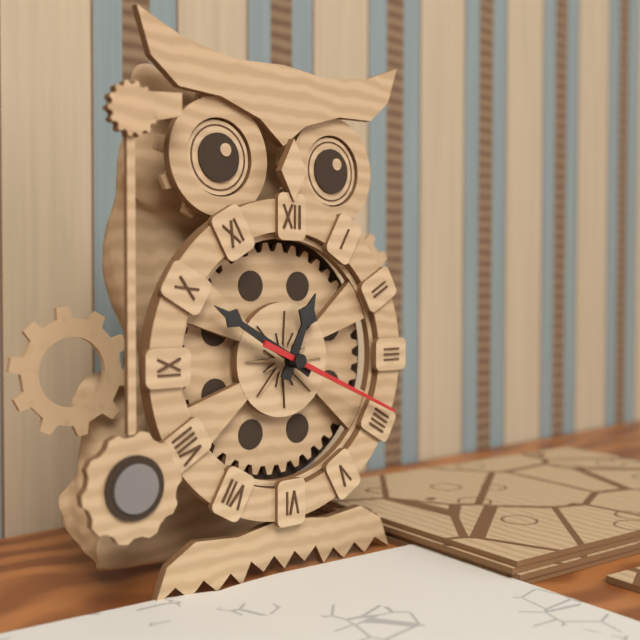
12 h 50 min 19 s
